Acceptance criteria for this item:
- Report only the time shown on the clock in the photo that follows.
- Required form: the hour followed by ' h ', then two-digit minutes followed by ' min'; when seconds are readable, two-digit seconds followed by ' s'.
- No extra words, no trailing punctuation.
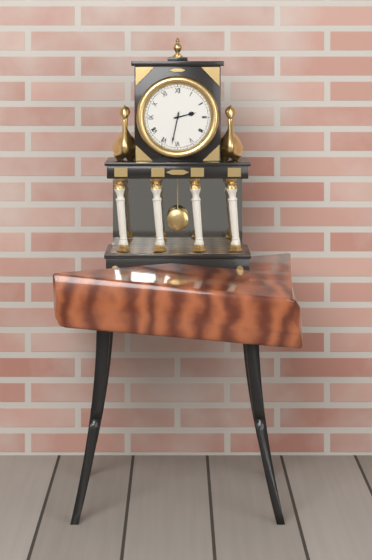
2 h 32 min
